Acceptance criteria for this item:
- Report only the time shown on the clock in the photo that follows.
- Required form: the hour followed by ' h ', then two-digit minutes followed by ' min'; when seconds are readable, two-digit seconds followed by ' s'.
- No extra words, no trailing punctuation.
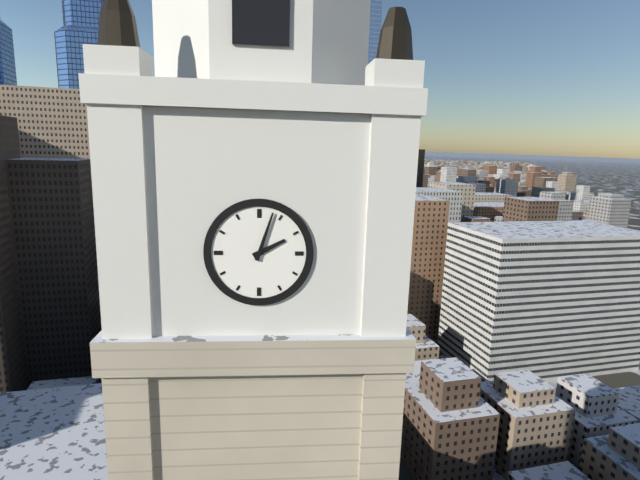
2 h 03 min
